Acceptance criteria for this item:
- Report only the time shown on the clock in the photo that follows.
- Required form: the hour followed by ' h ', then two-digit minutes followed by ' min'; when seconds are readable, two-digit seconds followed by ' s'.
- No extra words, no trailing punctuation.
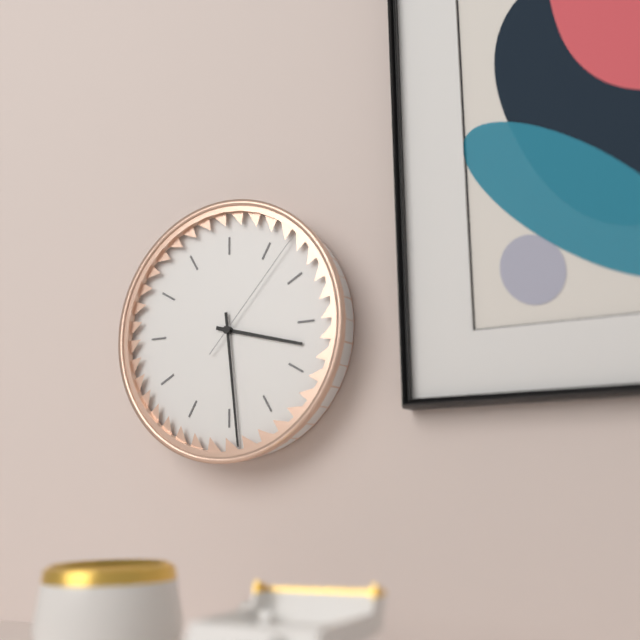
3 h 29 min 07 s
